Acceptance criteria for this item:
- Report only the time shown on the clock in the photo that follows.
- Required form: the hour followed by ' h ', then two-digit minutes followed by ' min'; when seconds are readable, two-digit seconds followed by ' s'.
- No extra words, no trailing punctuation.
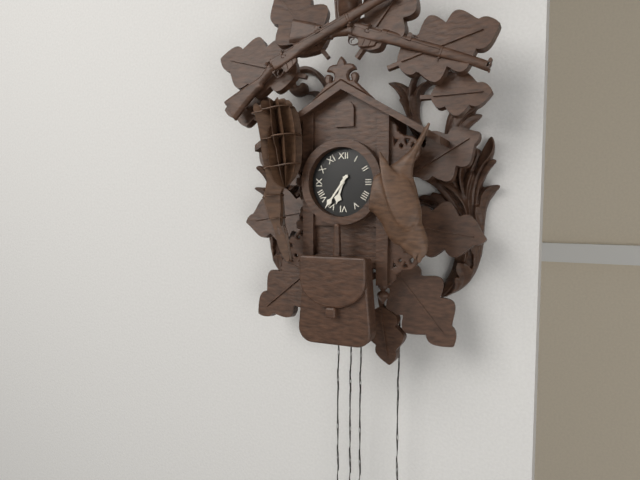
6 h 36 min
